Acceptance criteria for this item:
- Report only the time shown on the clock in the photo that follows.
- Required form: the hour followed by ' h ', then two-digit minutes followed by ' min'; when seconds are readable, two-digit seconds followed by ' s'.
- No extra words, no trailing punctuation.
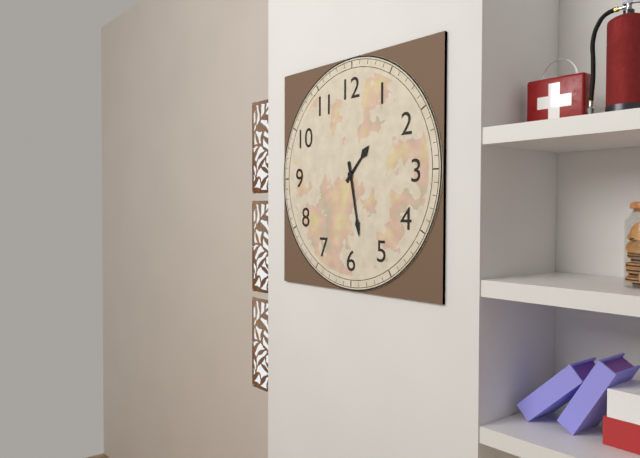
1 h 28 min
